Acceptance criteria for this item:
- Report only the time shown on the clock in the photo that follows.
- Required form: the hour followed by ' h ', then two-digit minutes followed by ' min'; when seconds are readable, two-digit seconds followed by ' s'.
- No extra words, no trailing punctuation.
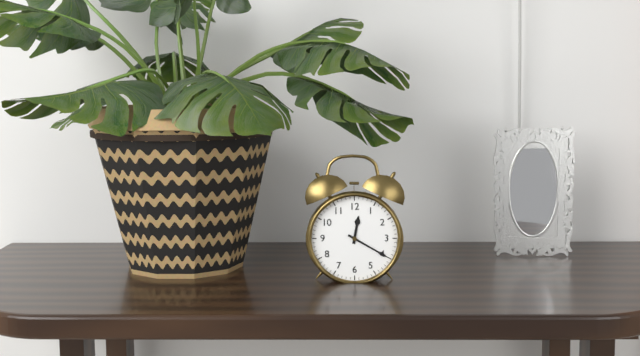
12 h 20 min
